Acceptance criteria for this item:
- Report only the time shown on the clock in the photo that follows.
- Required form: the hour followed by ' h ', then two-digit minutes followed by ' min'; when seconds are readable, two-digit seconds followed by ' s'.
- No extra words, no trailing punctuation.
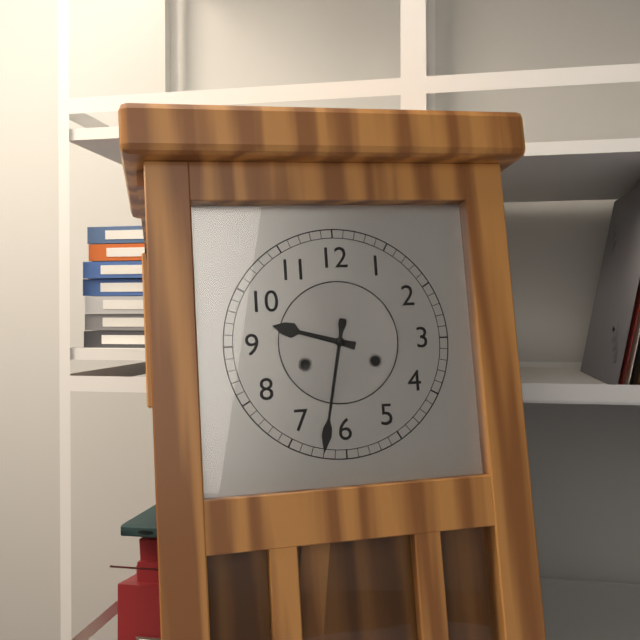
9 h 32 min
